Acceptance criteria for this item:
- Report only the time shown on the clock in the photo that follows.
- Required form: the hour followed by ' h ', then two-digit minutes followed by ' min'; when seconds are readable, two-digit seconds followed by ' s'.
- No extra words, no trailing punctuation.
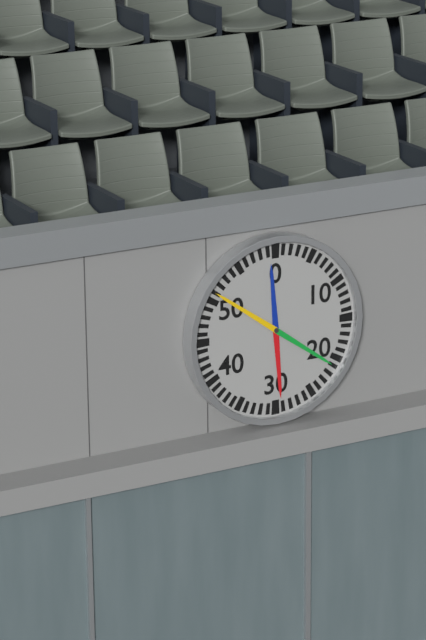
5 h 51 min
